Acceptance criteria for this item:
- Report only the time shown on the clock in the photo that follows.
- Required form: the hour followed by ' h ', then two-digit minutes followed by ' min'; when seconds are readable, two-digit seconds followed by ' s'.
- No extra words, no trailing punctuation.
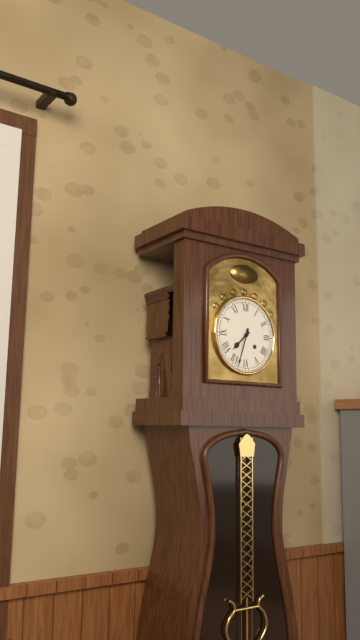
7 h 33 min
